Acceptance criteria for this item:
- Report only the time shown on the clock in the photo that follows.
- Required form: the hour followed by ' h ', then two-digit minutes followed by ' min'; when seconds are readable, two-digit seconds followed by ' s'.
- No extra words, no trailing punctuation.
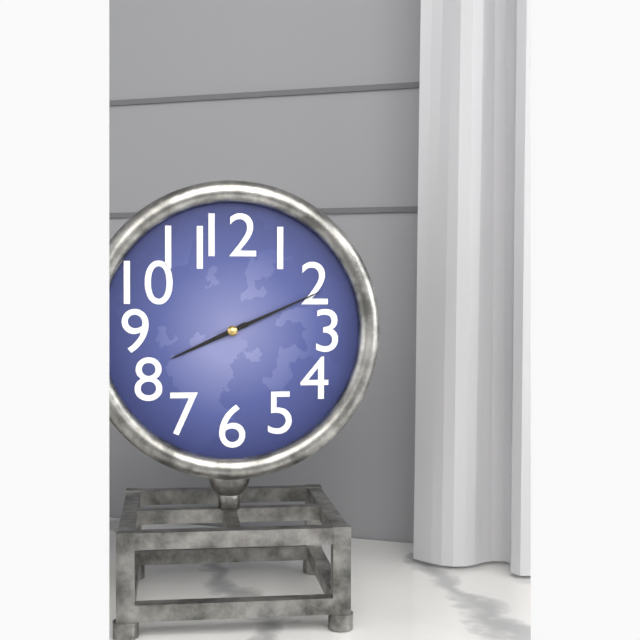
8 h 11 min
